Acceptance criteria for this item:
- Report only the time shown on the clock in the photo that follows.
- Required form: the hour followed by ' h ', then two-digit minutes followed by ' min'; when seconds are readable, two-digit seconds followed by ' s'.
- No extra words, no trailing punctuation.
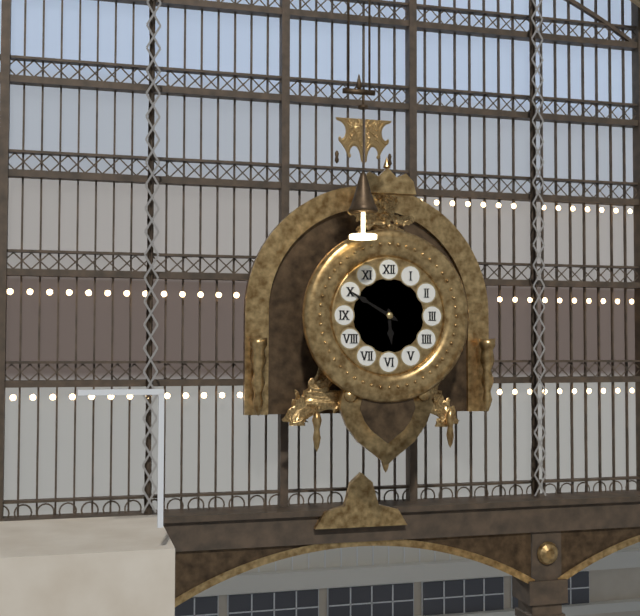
5 h 50 min
